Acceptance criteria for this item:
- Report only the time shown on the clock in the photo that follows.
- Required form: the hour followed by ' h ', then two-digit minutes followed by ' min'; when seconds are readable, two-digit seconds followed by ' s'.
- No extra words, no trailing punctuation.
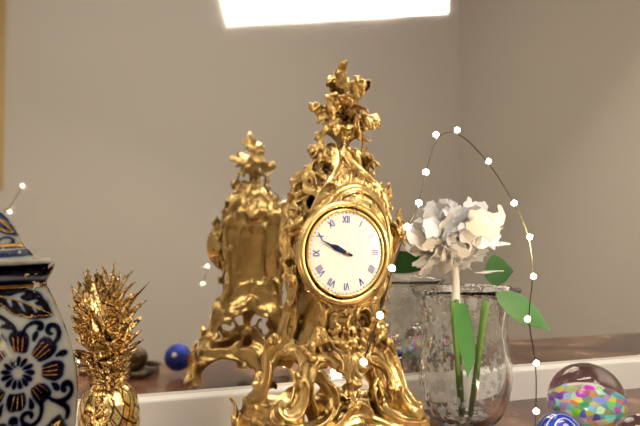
9 h 49 min
